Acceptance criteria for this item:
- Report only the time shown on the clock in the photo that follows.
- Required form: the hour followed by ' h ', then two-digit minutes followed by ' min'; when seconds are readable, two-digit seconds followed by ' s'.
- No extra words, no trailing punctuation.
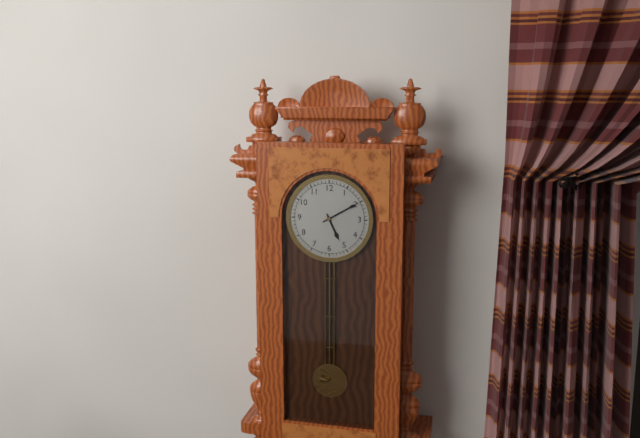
5 h 10 min
